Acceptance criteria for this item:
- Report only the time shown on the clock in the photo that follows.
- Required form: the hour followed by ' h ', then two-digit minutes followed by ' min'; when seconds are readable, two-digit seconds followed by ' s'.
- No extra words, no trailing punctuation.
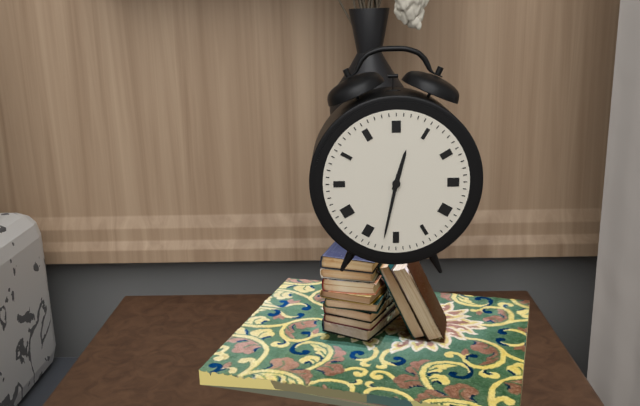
12 h 32 min
